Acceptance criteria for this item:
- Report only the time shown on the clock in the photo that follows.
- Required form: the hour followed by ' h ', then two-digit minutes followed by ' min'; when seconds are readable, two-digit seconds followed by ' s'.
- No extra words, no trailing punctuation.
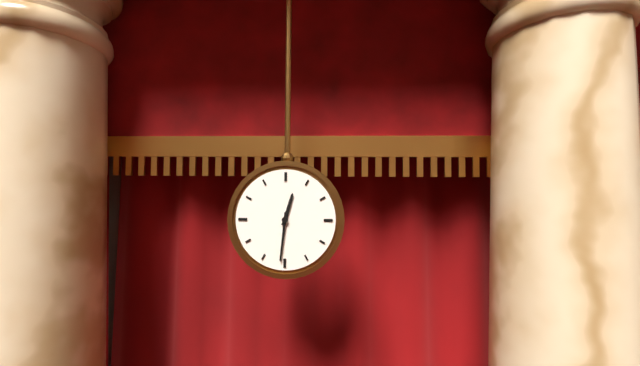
12 h 31 min
